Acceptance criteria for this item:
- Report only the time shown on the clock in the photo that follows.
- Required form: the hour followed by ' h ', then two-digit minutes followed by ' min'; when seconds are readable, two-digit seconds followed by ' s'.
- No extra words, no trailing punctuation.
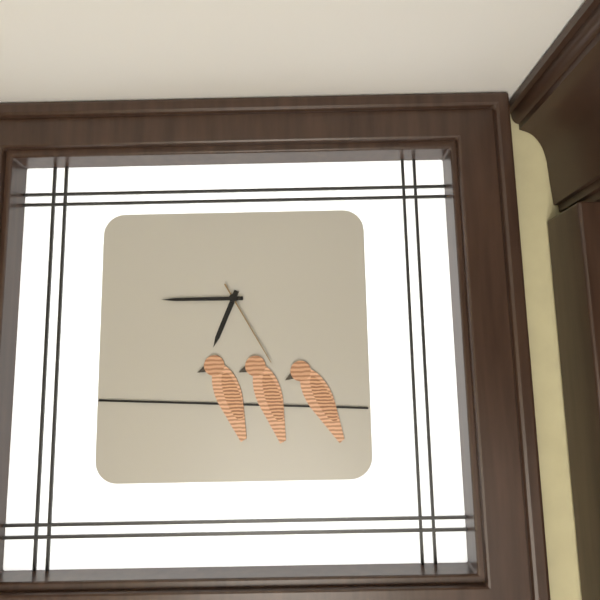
6 h 45 min 25 s
